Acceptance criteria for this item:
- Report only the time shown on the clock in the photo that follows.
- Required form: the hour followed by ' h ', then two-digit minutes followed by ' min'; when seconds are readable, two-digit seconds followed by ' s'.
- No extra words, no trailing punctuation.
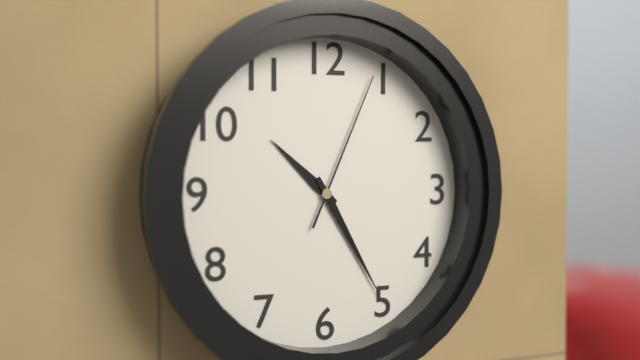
10 h 25 min 04 s
